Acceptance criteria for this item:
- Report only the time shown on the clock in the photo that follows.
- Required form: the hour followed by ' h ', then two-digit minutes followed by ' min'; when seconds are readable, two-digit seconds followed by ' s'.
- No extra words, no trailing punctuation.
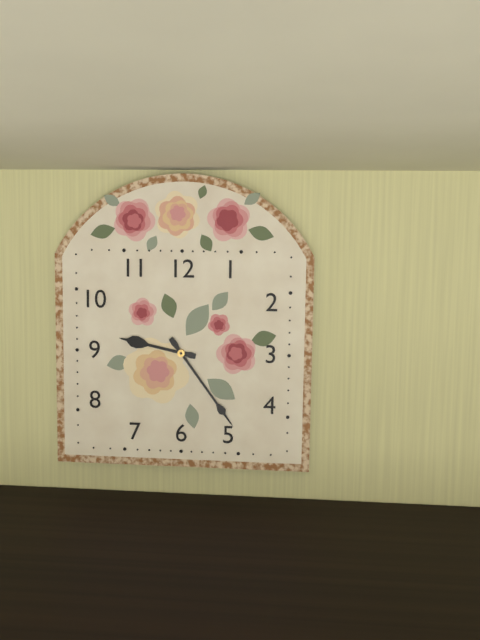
9 h 24 min
